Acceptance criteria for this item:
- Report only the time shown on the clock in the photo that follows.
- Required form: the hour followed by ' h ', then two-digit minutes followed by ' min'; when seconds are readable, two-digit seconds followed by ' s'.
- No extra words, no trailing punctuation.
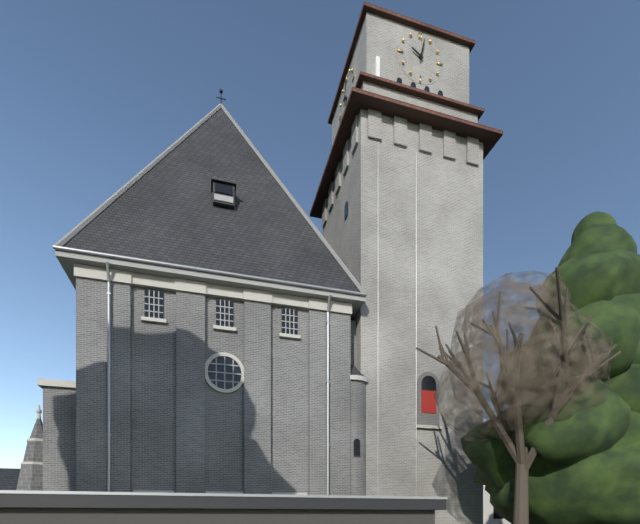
10 h 02 min
